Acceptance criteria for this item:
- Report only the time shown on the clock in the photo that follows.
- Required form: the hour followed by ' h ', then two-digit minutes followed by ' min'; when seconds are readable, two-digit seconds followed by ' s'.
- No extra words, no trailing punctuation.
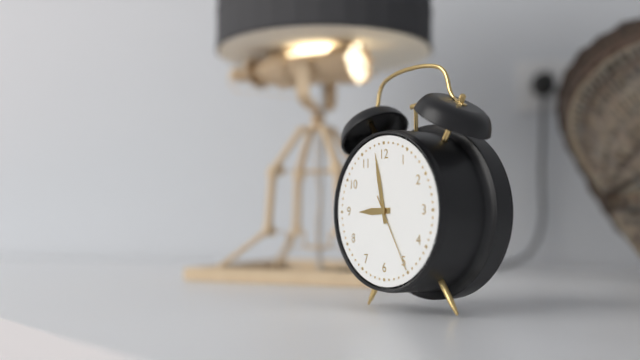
8 h 58 min 25 s
